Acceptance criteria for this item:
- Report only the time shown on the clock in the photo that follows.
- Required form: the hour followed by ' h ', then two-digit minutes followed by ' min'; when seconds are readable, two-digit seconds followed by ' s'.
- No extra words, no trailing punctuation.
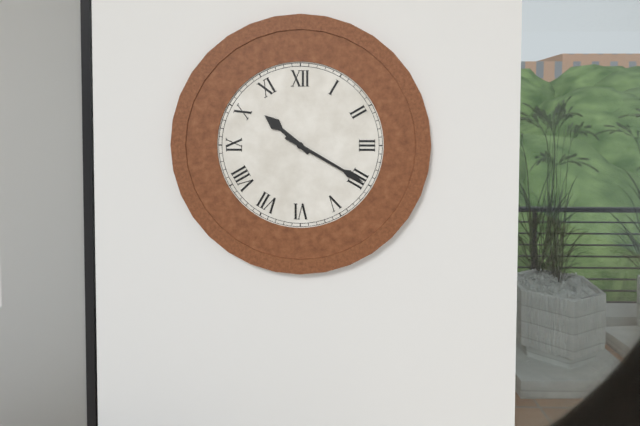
10 h 20 min
